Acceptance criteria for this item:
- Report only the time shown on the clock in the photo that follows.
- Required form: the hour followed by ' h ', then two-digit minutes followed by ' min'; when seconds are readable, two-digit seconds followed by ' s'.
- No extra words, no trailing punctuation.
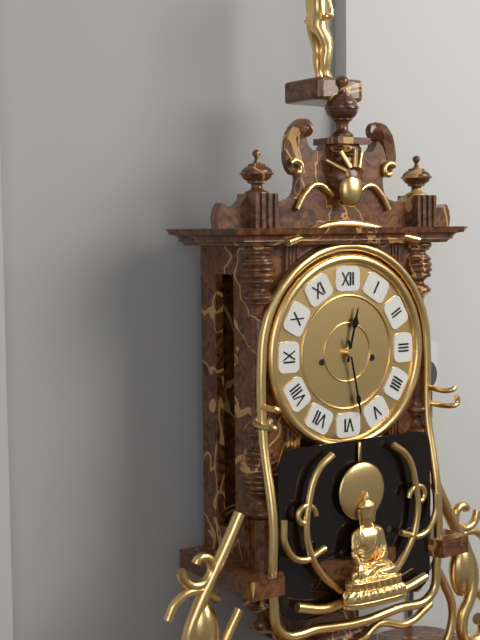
12 h 28 min
